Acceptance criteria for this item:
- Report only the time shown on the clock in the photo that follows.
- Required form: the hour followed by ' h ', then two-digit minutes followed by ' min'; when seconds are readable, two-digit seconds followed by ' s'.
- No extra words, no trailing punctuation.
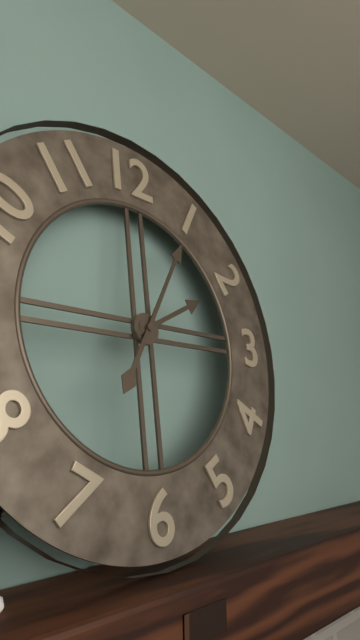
2 h 05 min
